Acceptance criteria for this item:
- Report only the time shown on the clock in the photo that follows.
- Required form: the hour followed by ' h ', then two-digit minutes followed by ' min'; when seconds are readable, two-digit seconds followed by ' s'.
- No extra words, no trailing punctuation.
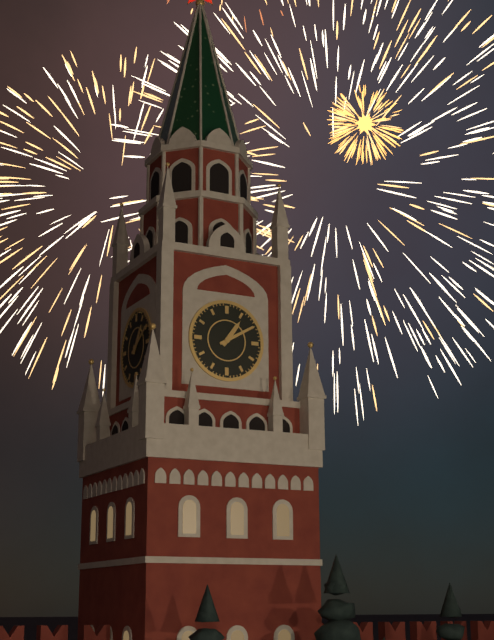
1 h 10 min
